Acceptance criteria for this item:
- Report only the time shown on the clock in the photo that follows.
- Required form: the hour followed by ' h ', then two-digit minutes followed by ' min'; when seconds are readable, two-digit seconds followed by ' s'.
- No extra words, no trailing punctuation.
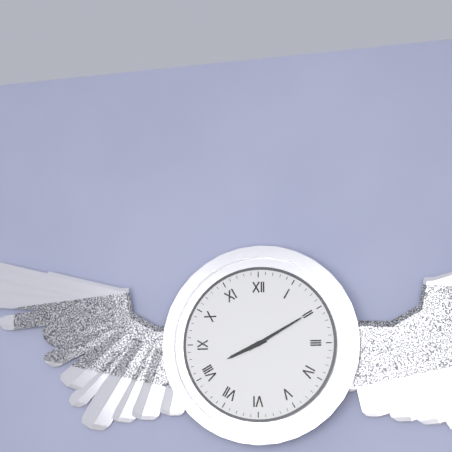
8 h 10 min
